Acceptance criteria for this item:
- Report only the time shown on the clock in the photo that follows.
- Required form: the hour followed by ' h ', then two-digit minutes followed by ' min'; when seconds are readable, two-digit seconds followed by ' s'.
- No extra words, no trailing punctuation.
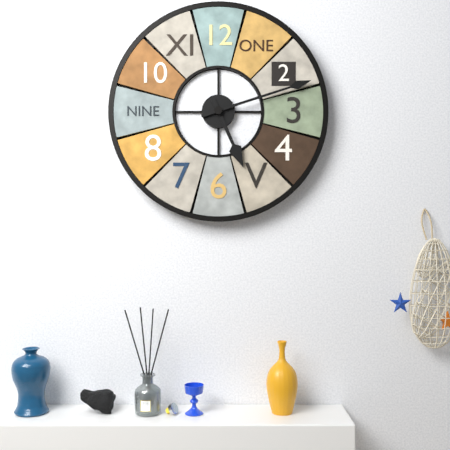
5 h 12 min
